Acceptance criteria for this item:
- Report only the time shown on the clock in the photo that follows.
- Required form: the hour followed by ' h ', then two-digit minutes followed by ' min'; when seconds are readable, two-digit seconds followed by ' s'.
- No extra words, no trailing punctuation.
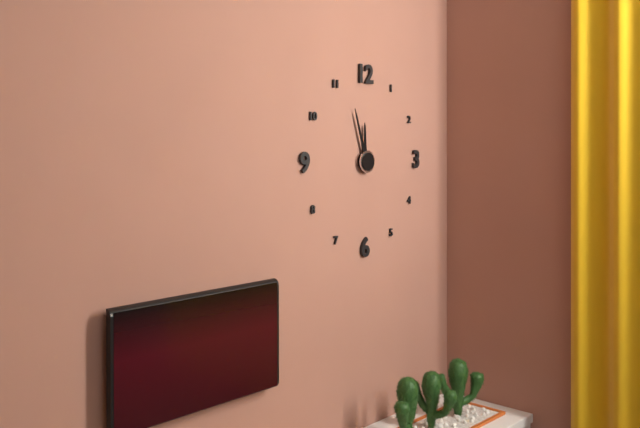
11 h 57 min
